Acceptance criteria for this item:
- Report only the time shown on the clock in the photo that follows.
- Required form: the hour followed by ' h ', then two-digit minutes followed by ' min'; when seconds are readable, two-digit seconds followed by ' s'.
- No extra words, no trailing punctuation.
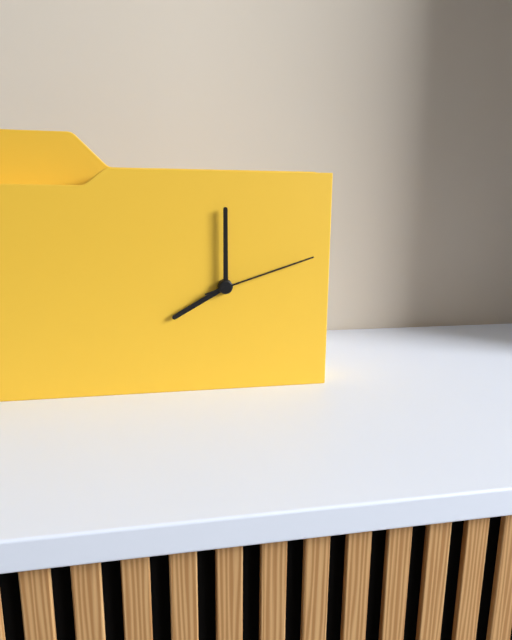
8 h 00 min 12 s
